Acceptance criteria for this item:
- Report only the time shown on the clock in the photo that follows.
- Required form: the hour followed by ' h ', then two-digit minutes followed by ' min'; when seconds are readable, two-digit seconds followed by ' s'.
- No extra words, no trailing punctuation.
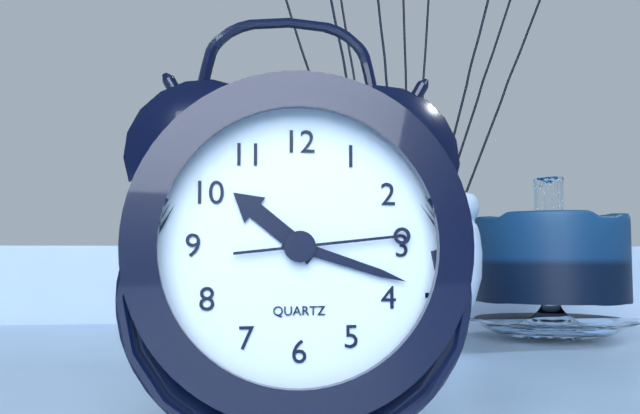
10 h 18 min 14 s
